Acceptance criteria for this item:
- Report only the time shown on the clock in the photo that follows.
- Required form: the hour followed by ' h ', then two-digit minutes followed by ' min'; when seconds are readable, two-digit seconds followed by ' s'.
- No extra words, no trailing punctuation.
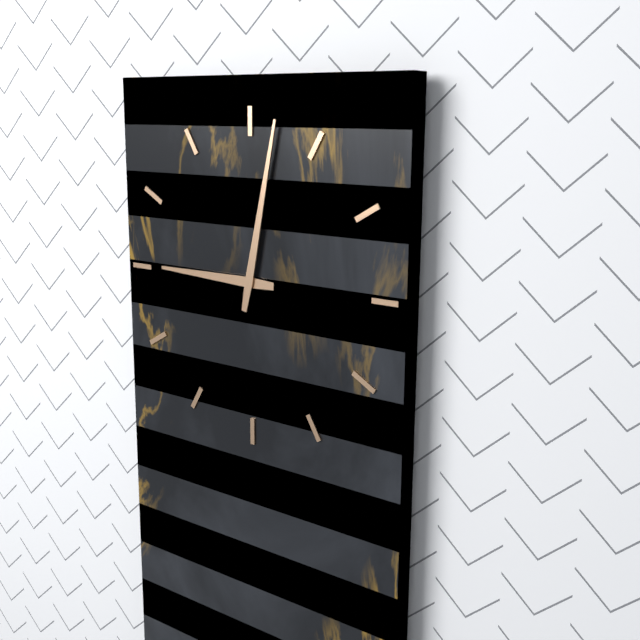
9 h 02 min
